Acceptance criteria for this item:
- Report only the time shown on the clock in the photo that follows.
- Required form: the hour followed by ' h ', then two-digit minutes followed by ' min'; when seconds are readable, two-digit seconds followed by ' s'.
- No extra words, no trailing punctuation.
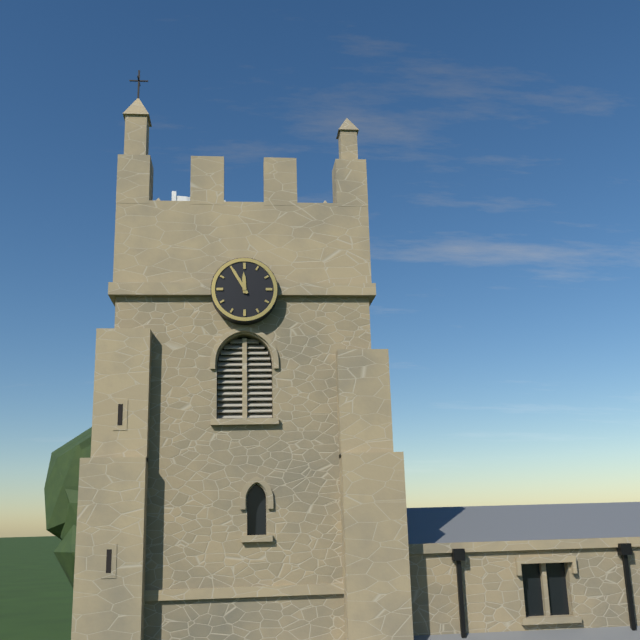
11 h 55 min
